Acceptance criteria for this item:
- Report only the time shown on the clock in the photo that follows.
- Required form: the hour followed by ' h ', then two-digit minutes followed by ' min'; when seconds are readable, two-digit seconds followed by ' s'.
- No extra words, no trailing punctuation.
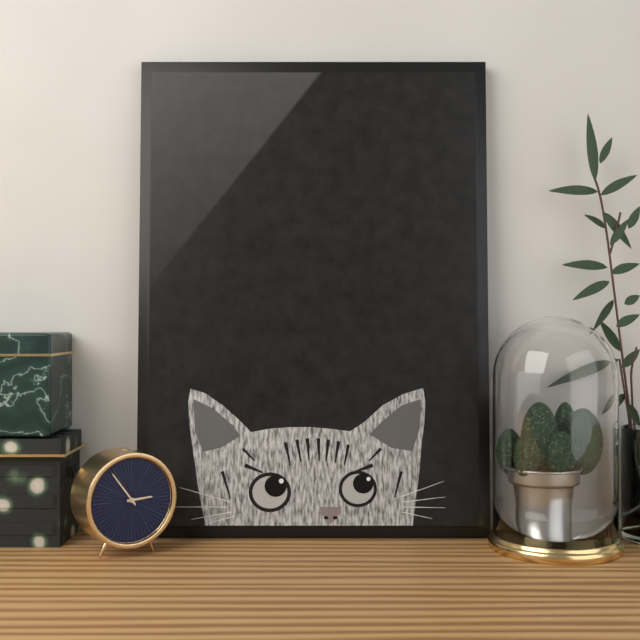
2 h 54 min
